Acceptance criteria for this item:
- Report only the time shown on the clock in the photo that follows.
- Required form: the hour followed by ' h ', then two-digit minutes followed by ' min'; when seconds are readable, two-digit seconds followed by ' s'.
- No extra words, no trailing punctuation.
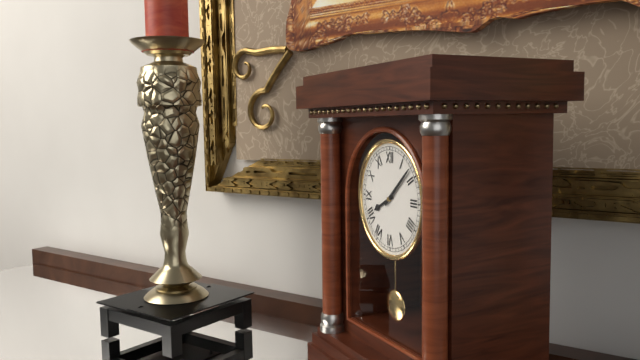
8 h 08 min
